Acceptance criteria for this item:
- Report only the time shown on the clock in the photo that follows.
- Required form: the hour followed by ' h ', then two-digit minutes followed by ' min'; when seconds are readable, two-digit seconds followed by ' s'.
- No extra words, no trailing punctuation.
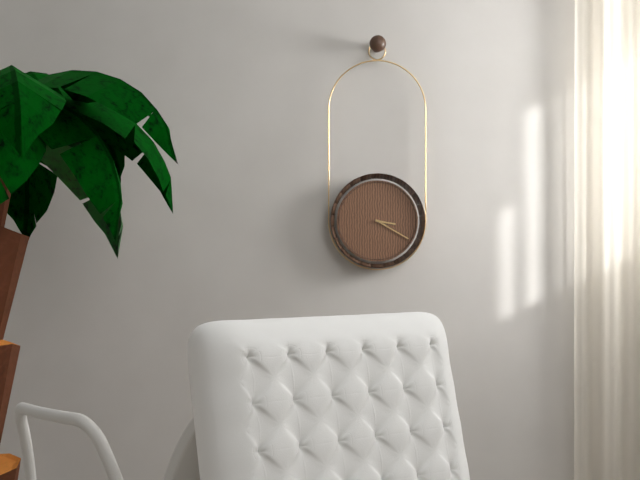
3 h 20 min
